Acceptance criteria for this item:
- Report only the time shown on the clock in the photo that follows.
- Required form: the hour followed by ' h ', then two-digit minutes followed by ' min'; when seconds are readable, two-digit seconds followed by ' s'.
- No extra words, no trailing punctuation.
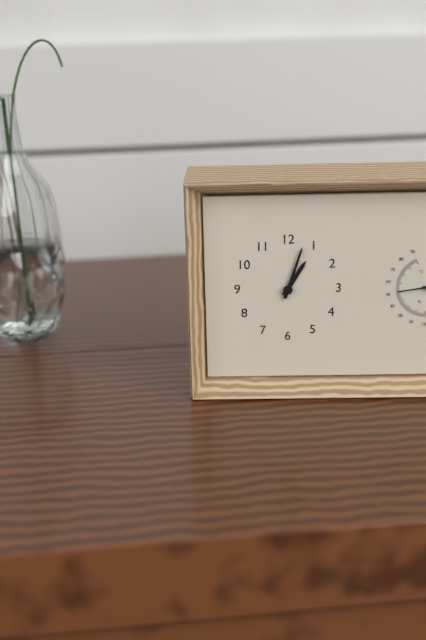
1 h 03 min
